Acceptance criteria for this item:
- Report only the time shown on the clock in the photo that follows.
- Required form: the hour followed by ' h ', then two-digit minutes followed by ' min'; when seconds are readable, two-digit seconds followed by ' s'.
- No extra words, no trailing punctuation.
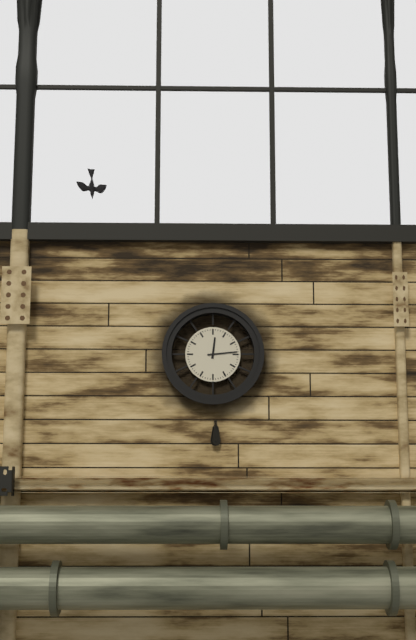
12 h 14 min
